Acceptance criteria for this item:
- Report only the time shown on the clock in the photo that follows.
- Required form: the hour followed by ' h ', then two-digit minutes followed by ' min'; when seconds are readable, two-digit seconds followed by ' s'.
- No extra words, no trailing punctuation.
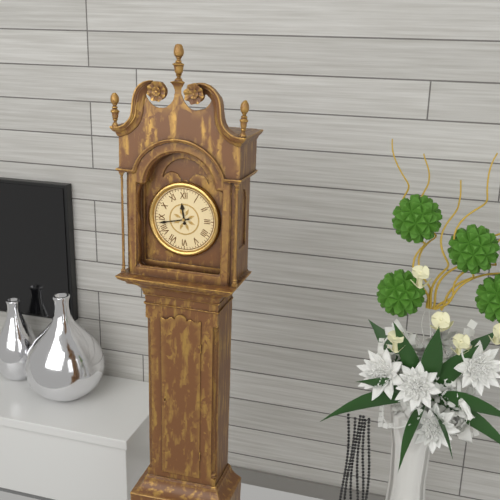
11 h 43 min
